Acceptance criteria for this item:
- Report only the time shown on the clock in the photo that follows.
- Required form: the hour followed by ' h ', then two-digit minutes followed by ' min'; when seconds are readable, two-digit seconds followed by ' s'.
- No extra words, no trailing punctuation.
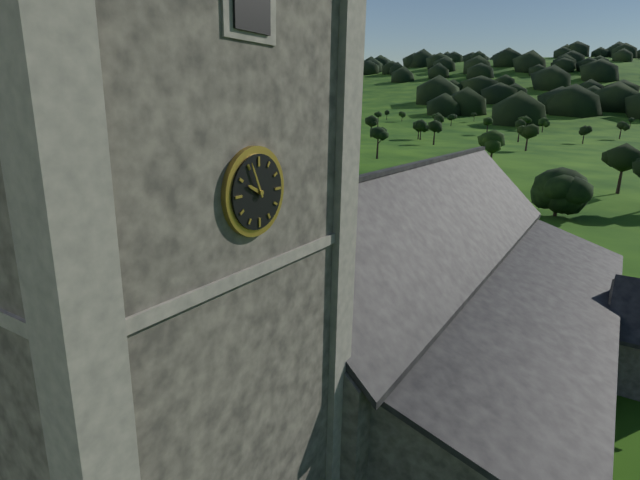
9 h 56 min
